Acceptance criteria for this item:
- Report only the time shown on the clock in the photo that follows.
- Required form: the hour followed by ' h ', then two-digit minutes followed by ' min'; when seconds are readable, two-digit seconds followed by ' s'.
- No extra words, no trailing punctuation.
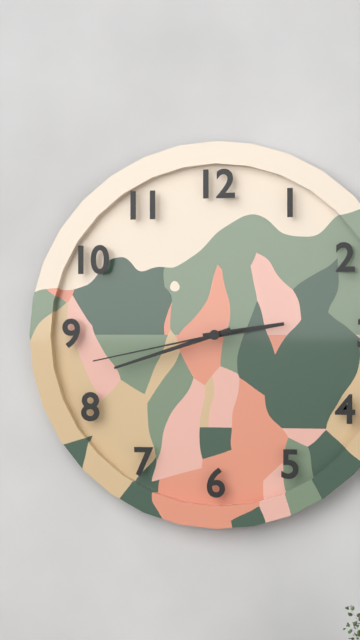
2 h 42 min 43 s
